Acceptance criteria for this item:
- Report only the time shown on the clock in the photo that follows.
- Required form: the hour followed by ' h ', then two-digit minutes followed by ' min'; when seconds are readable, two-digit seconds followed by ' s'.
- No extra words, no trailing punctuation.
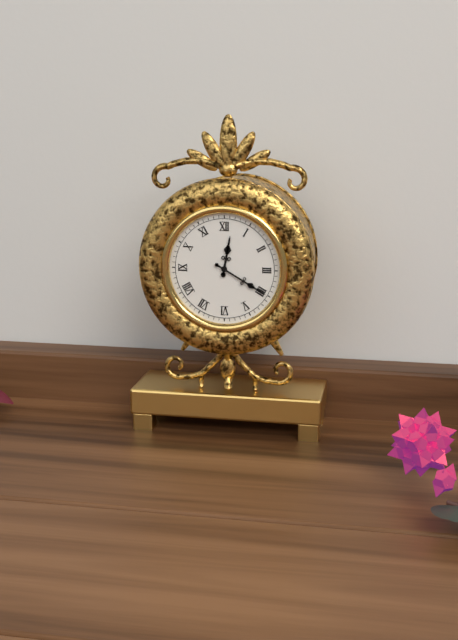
12 h 20 min
